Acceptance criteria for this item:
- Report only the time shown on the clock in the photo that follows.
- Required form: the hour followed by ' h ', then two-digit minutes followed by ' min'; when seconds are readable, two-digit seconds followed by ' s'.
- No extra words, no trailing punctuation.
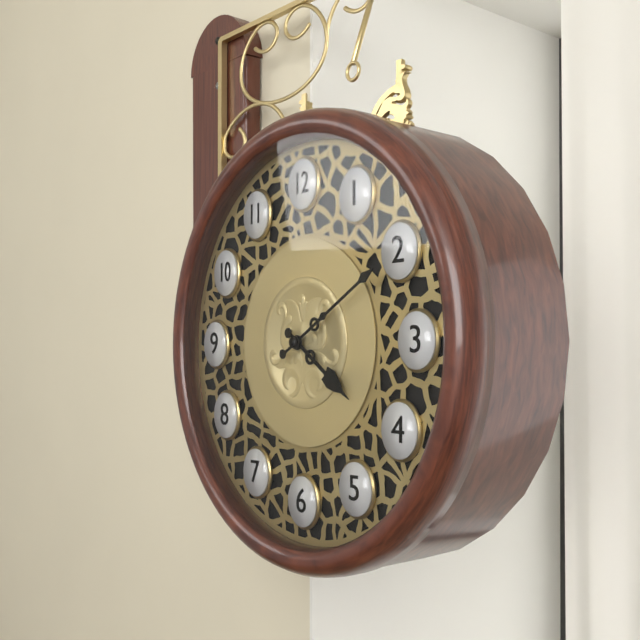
4 h 10 min
